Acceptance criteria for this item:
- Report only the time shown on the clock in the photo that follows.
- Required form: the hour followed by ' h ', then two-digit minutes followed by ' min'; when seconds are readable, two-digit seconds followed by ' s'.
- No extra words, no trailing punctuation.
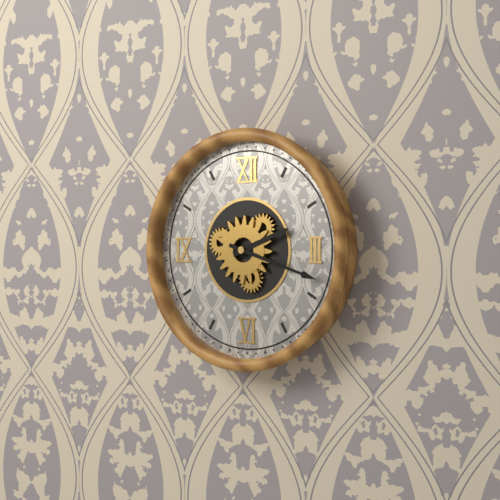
2 h 18 min
